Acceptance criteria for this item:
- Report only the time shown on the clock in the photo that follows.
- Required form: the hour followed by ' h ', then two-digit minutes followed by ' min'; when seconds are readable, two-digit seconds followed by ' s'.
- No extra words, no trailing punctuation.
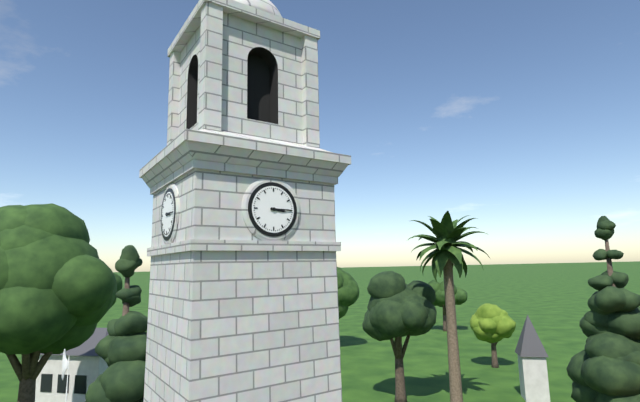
3 h 15 min
